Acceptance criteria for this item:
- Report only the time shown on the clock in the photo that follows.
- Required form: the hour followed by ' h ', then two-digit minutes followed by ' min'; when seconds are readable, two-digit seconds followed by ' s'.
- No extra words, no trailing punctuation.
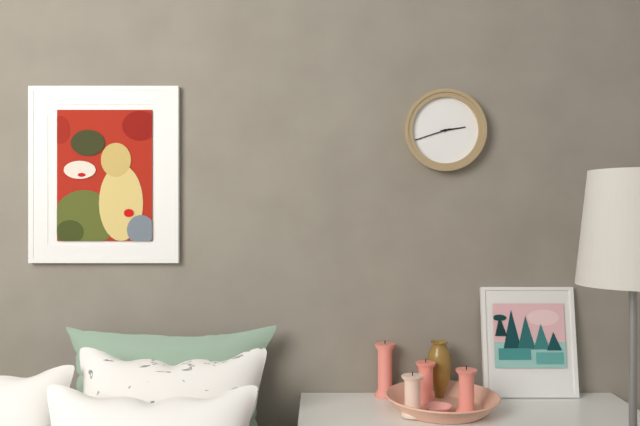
2 h 42 min
